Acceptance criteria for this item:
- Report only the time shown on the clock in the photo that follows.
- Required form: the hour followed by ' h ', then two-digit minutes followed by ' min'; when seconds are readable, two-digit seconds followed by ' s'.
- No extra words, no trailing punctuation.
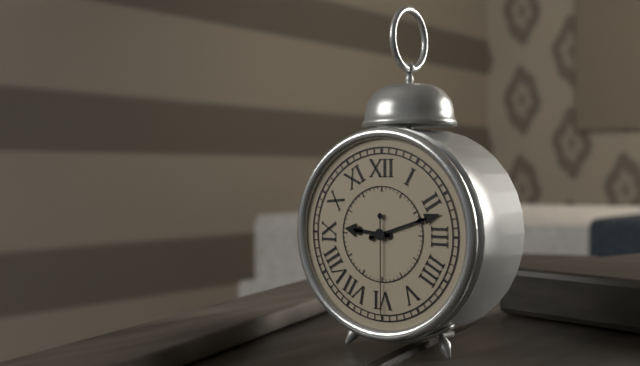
9 h 12 min 30 s
